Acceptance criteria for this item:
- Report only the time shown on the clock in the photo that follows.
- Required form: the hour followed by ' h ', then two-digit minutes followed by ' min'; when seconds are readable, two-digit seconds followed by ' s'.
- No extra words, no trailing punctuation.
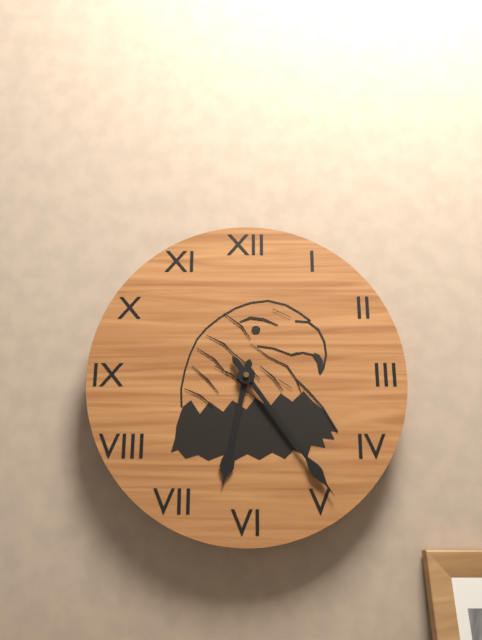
6 h 24 min
